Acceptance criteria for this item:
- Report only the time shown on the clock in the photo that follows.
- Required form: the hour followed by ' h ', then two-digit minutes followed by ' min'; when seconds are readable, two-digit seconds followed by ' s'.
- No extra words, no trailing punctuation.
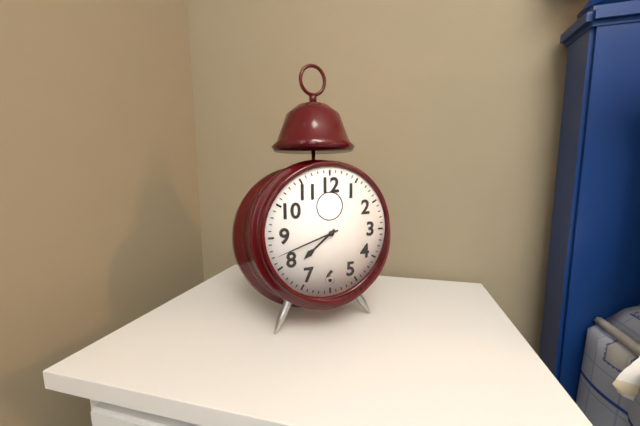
7 h 42 min
